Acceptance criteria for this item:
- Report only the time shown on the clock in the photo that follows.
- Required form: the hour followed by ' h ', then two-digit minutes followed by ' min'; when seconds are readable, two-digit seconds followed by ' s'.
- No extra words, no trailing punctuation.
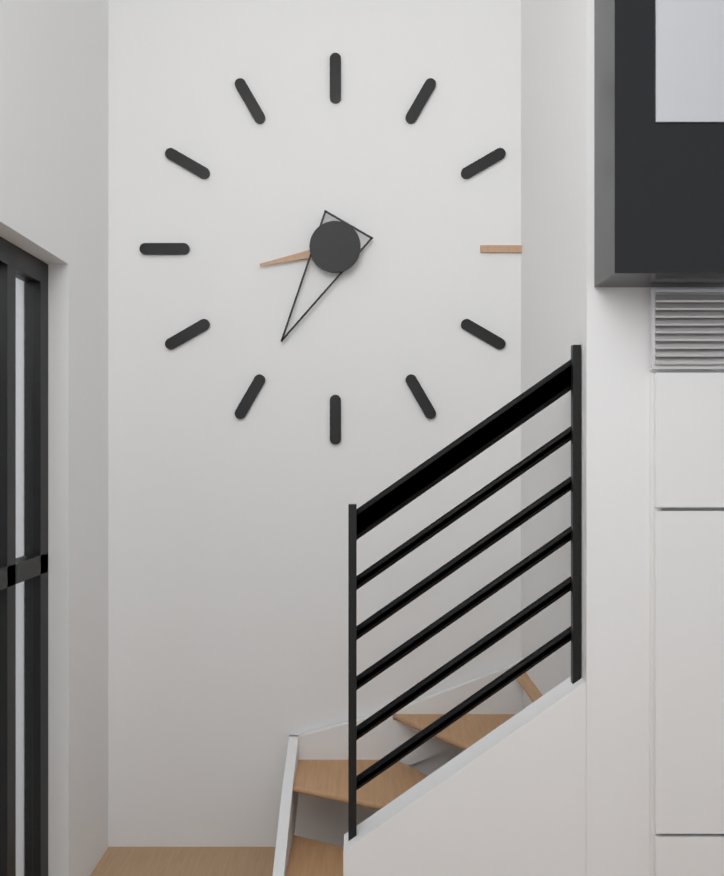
8 h 35 min
